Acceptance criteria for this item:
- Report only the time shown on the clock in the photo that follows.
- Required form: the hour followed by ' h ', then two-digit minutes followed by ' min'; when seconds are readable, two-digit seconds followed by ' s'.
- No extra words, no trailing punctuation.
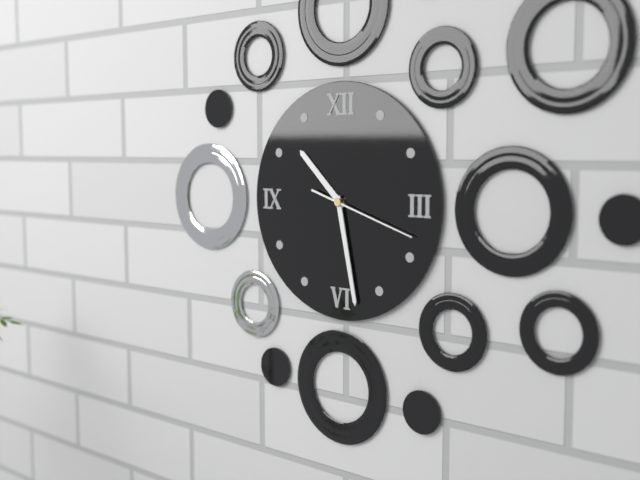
10 h 28 min 18 s
